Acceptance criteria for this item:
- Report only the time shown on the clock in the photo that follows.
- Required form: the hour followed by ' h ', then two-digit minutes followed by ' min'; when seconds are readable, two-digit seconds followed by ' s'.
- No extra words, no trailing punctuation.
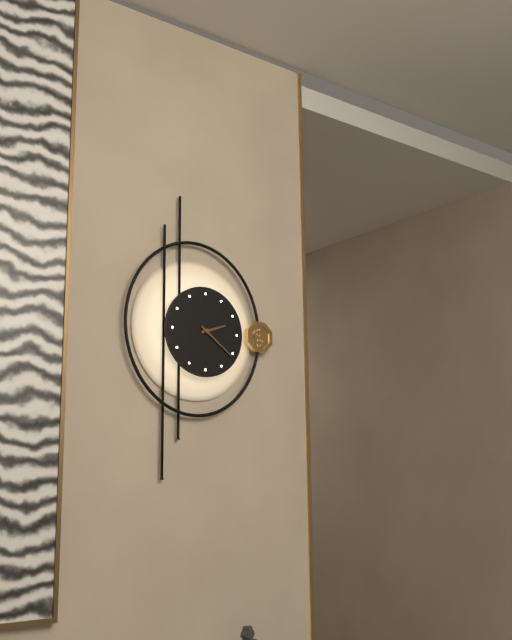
2 h 21 min
